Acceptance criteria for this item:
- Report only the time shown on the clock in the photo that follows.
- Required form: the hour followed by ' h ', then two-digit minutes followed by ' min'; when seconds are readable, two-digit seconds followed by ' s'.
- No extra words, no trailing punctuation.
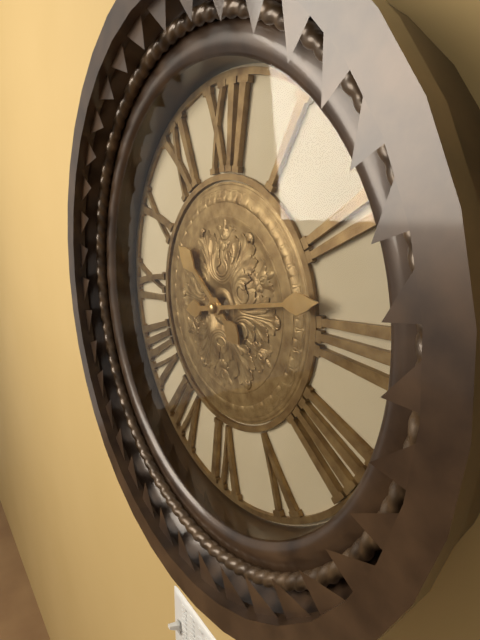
10 h 13 min
